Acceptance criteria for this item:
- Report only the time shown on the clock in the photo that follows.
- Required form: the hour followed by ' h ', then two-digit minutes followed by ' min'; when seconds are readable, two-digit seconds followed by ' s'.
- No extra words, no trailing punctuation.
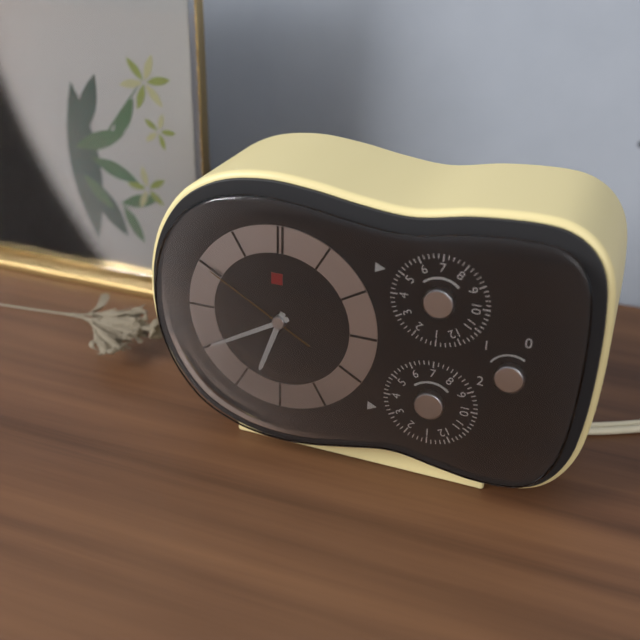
6 h 40 min 50 s
